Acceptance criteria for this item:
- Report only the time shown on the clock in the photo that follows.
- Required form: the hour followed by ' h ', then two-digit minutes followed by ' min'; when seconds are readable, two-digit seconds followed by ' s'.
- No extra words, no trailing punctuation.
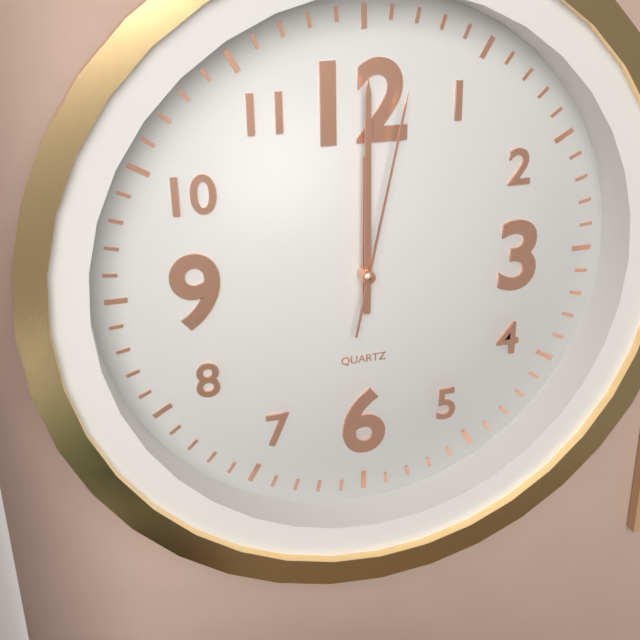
12 h 00 min 02 s
